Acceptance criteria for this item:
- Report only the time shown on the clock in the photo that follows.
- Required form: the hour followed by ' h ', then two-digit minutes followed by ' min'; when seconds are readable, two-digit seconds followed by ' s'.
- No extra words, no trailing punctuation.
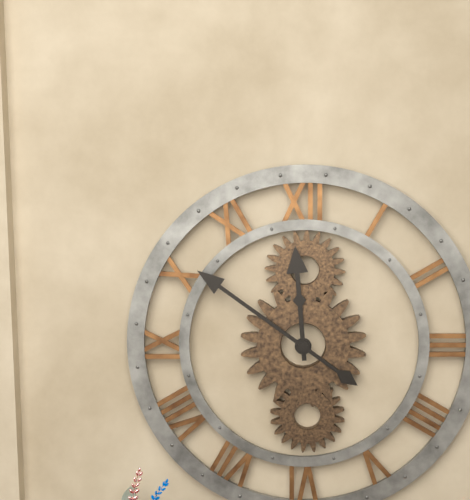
11 h 51 min
